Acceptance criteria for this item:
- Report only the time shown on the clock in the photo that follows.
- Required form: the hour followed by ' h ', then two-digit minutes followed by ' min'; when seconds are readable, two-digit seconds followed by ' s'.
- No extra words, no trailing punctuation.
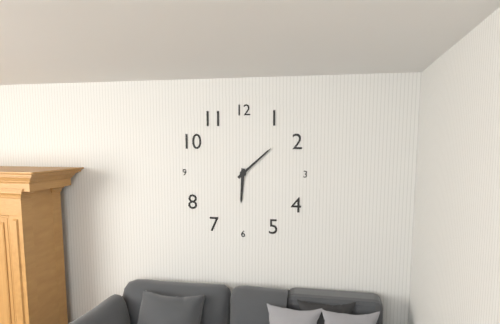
6 h 08 min
